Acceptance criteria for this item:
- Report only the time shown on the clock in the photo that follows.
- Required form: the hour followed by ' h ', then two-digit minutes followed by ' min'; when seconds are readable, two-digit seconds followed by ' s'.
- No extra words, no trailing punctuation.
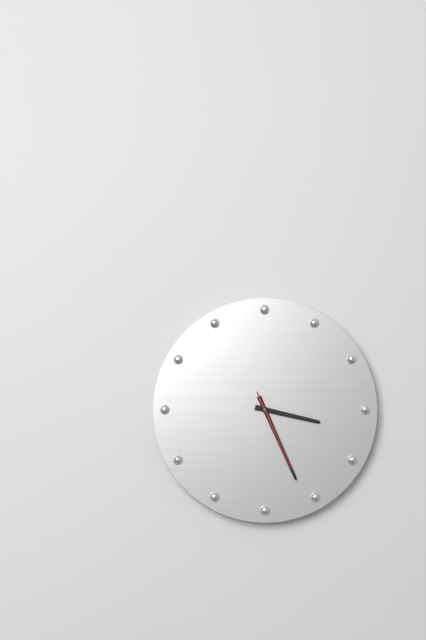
3 h 26 min 26 s
